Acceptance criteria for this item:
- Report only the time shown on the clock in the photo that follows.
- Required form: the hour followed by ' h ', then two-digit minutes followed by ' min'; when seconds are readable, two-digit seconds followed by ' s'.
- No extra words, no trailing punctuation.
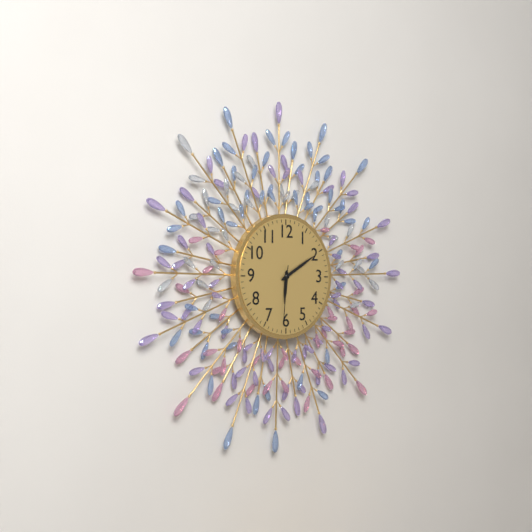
6 h 10 min 31 s
